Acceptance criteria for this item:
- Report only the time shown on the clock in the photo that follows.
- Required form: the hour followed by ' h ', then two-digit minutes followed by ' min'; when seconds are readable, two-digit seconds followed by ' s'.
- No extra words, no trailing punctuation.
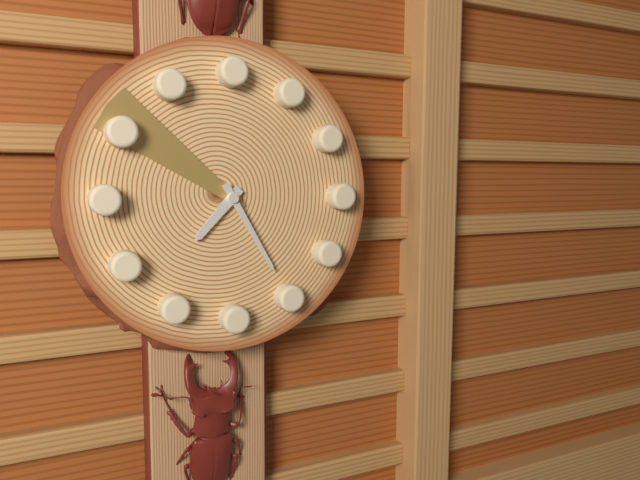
7 h 25 min 51 s
